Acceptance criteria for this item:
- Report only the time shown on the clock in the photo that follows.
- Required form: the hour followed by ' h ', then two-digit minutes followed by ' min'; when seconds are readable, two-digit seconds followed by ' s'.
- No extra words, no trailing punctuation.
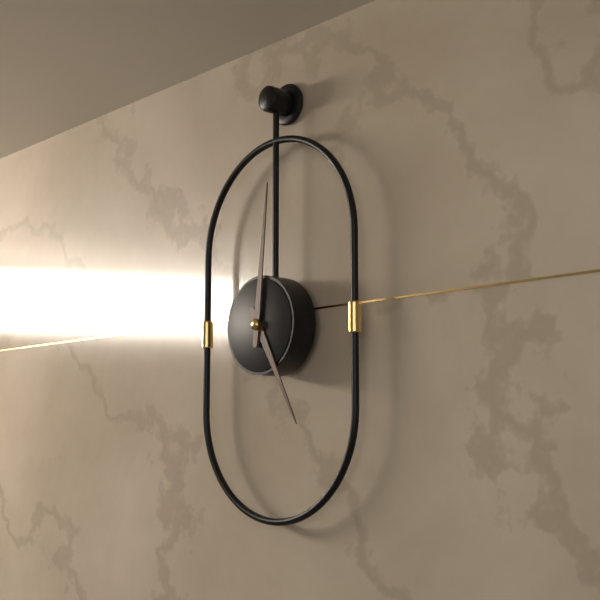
5 h 01 min
